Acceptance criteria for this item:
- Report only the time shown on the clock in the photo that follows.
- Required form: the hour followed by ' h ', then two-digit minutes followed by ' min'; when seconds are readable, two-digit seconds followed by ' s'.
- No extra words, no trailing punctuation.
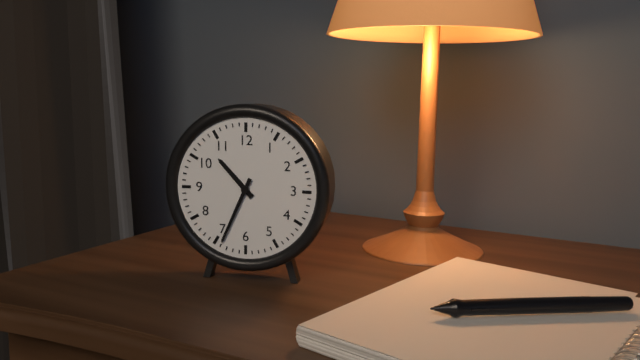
10 h 34 min
